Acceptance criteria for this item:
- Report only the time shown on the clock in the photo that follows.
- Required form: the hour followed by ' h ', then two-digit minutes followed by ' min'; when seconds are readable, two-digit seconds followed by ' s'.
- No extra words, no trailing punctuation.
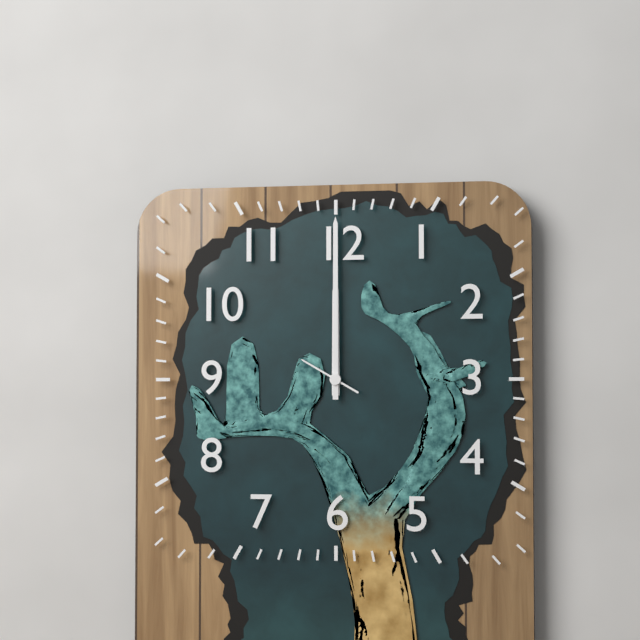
12 h 00 min 50 s
